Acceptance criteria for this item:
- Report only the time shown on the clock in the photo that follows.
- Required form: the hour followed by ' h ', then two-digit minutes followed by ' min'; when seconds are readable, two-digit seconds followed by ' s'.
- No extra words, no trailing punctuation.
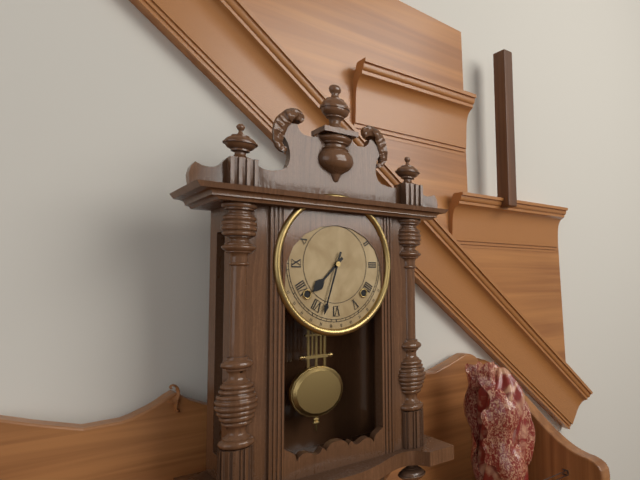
7 h 33 min
